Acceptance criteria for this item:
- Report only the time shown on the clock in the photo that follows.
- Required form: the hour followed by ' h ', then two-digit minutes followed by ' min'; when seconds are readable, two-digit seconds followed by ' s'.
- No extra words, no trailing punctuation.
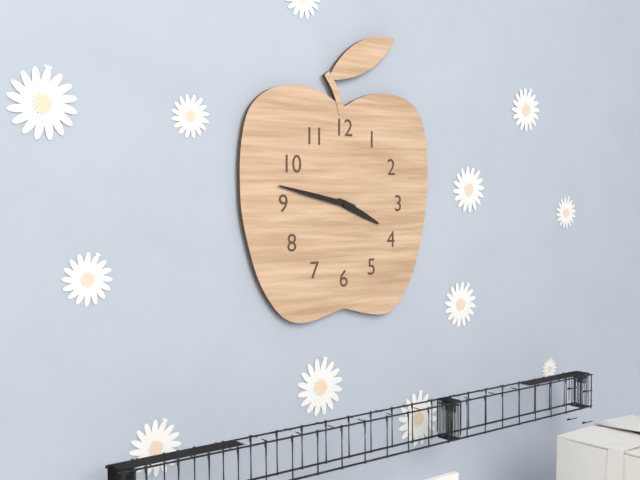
3 h 47 min
